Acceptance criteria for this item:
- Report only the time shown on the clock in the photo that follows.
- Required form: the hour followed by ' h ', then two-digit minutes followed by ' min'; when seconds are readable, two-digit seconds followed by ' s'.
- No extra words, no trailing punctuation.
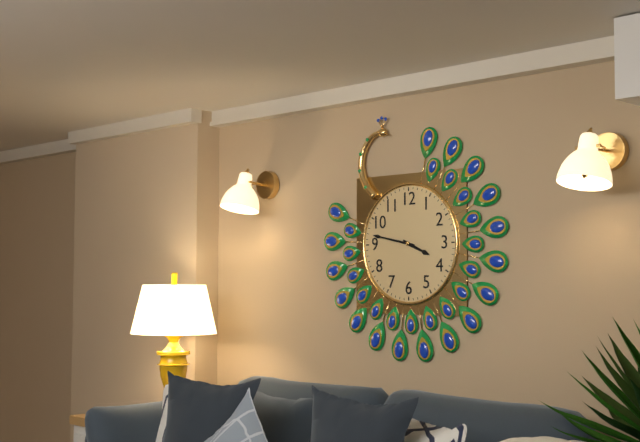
3 h 47 min
